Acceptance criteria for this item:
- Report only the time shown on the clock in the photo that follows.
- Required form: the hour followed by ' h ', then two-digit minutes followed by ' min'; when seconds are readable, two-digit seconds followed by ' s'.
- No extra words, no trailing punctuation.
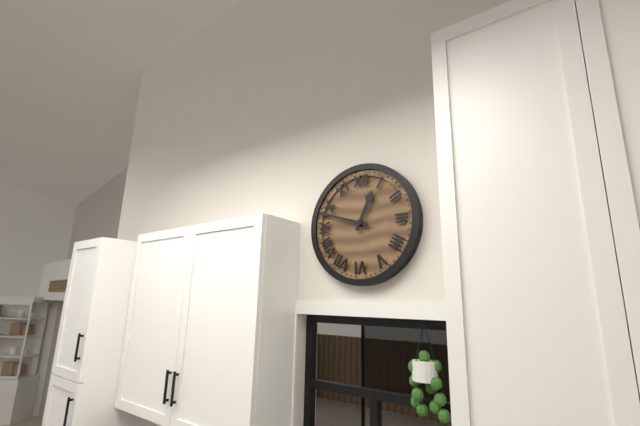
12 h 48 min
